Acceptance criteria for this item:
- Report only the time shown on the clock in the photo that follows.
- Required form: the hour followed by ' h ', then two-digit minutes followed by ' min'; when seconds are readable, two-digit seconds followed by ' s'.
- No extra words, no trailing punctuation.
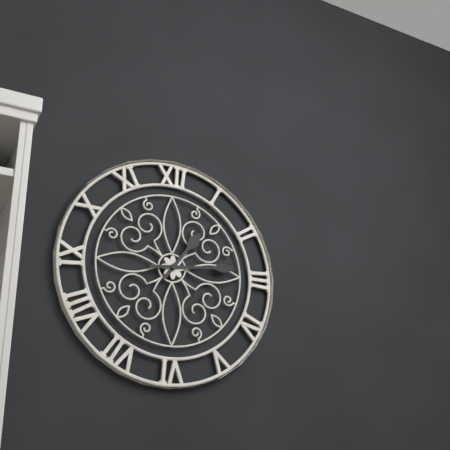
1 h 14 min
